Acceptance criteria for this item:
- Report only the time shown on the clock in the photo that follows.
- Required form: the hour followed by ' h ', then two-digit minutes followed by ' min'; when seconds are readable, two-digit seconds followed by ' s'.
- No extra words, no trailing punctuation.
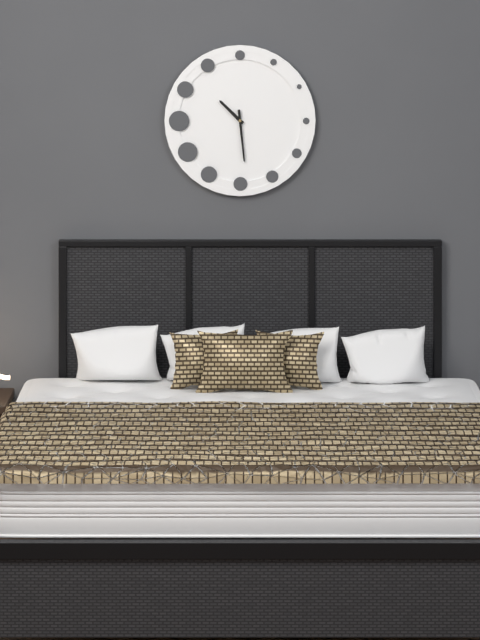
10 h 29 min
